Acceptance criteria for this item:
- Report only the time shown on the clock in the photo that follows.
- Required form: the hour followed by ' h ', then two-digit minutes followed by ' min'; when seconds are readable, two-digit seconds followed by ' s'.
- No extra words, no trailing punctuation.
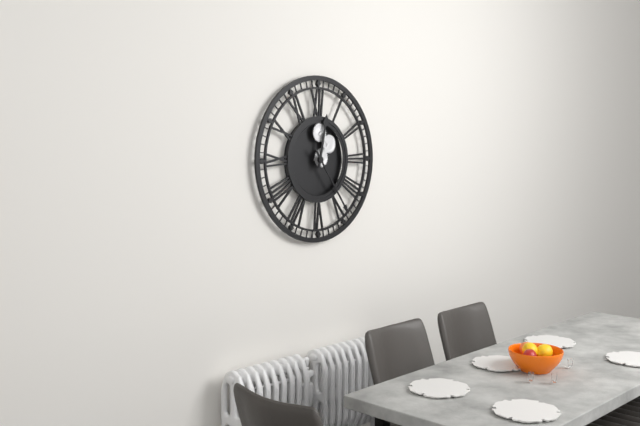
12 h 24 min
